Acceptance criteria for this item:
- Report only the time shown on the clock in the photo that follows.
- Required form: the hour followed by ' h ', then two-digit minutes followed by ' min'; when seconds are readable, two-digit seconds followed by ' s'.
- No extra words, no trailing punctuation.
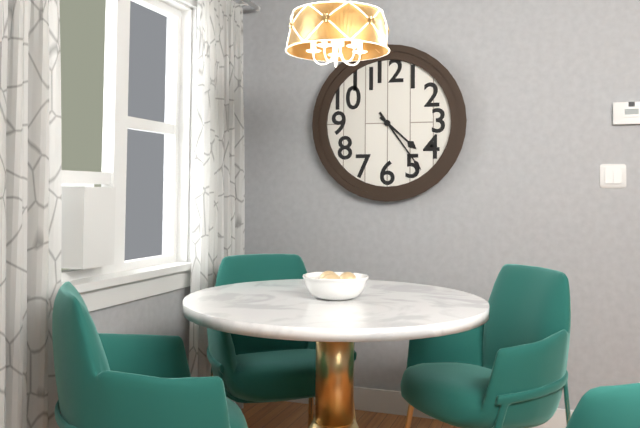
4 h 24 min
